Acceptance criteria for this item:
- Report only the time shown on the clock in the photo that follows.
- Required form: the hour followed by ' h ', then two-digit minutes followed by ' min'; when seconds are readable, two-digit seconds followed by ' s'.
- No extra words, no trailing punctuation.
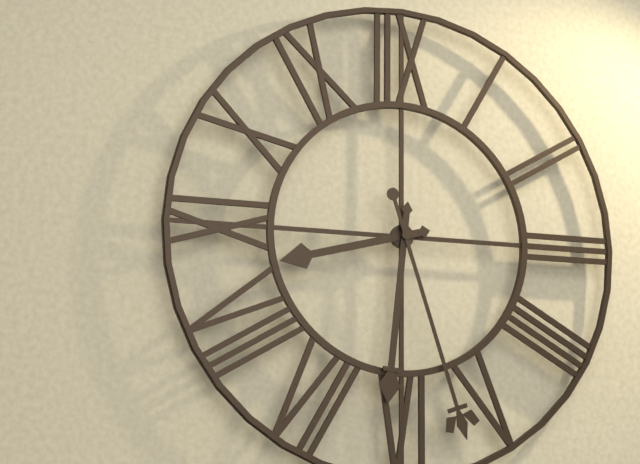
8 h 31 min 27 s
